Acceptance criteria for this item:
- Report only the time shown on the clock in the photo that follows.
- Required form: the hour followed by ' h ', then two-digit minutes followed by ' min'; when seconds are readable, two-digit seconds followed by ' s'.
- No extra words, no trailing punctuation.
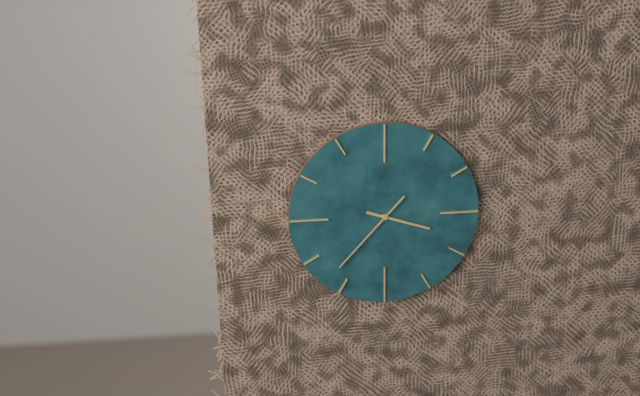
3 h 37 min
